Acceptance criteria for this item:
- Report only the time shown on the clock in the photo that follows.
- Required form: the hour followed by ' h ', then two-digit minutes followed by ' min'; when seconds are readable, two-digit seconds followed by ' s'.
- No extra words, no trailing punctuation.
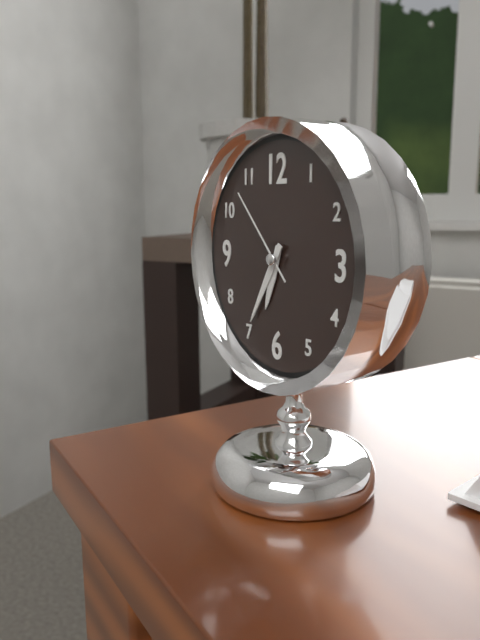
6 h 35 min 53 s
